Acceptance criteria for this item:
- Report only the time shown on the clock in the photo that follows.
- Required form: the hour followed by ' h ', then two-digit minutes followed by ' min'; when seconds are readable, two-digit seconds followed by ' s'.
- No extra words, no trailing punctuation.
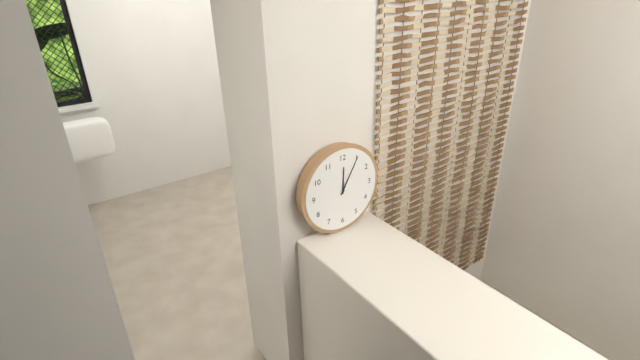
12 h 05 min
